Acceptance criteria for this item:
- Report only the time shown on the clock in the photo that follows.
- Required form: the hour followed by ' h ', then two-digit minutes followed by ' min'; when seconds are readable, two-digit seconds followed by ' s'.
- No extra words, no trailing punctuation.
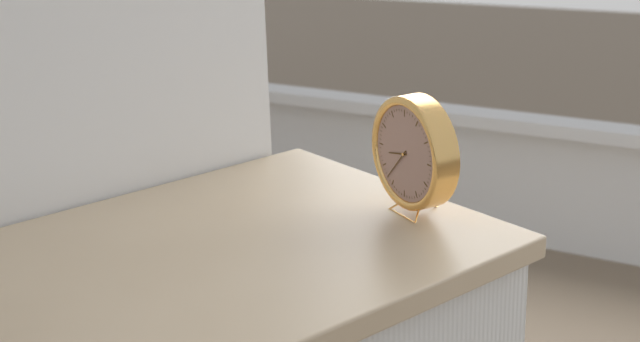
8 h 37 min
